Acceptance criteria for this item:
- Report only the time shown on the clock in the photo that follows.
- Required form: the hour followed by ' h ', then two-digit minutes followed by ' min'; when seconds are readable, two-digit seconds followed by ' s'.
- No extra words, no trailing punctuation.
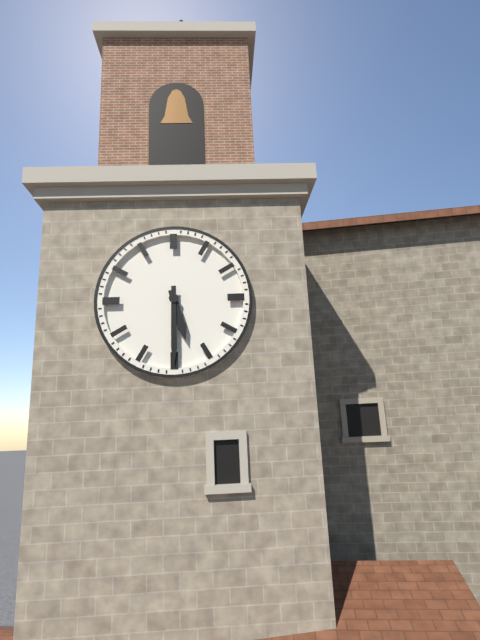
5 h 30 min
